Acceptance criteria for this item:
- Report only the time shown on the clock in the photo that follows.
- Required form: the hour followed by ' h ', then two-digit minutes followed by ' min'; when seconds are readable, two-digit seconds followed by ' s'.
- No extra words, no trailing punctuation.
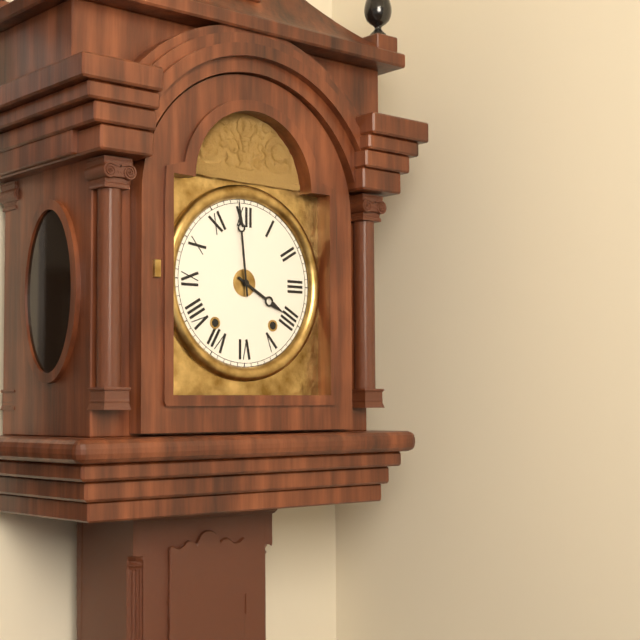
3 h 59 min
